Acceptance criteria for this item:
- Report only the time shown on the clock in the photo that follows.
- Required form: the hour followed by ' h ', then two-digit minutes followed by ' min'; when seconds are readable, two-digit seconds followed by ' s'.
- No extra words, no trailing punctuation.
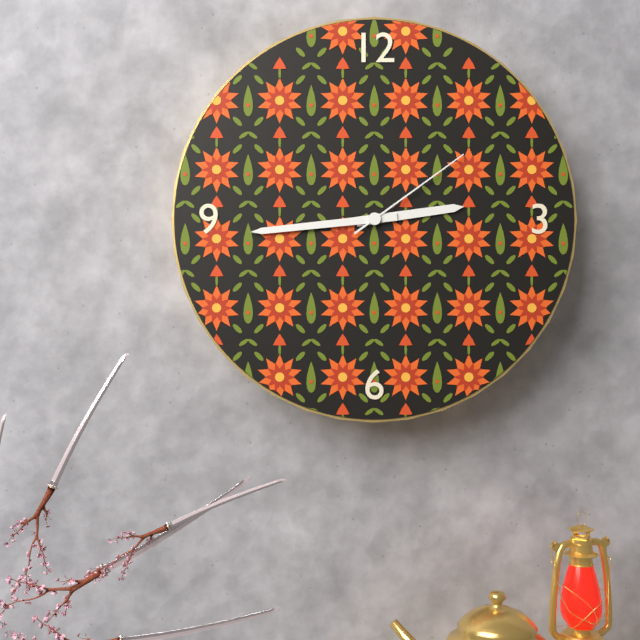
2 h 44 min 09 s
